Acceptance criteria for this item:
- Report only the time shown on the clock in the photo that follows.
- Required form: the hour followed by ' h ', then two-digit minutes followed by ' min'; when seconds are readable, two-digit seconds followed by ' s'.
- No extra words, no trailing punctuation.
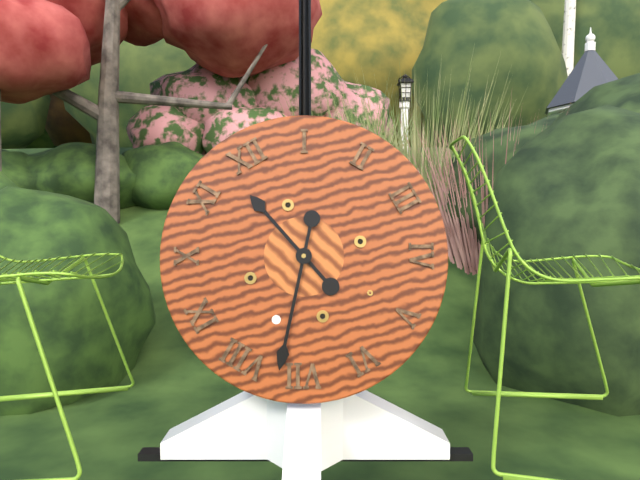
11 h 37 min
